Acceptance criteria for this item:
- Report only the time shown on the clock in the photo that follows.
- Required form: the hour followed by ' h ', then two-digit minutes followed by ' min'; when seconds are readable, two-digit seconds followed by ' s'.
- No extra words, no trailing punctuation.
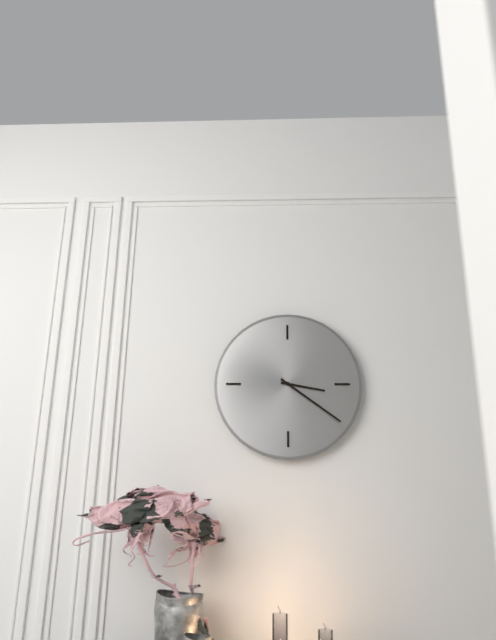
3 h 21 min
